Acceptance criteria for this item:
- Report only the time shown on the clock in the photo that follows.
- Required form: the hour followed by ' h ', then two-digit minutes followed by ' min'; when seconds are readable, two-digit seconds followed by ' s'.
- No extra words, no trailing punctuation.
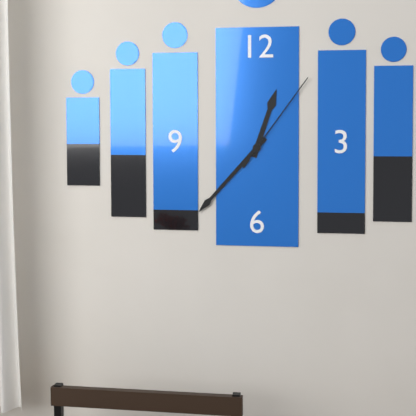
12 h 37 min 06 s
